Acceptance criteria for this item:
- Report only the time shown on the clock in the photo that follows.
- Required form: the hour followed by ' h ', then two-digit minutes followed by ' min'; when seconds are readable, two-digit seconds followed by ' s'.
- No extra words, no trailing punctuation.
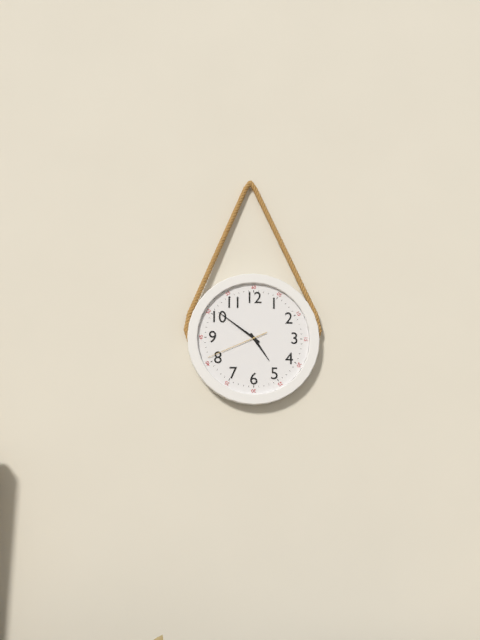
4 h 51 min 41 s
